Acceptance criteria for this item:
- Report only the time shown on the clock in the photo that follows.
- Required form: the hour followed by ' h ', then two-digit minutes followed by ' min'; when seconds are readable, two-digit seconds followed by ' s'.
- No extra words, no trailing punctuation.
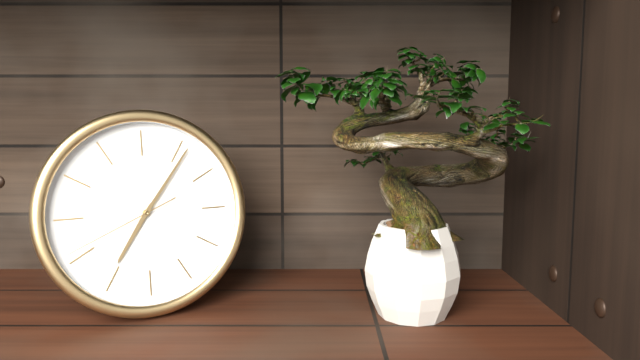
7 h 06 min 41 s
